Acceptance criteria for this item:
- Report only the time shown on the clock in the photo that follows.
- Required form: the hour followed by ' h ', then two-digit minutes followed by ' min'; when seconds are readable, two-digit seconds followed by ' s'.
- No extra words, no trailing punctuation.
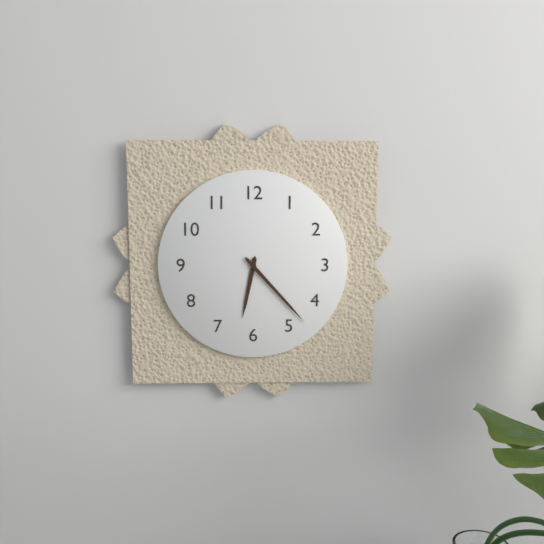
6 h 23 min
